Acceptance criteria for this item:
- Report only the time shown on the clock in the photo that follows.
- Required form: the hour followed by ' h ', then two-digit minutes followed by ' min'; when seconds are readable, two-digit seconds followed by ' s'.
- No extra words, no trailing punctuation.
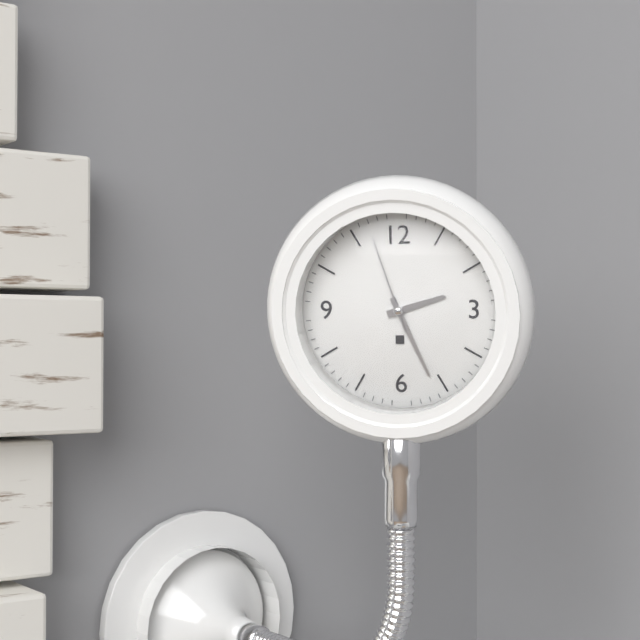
2 h 26 min 57 s
